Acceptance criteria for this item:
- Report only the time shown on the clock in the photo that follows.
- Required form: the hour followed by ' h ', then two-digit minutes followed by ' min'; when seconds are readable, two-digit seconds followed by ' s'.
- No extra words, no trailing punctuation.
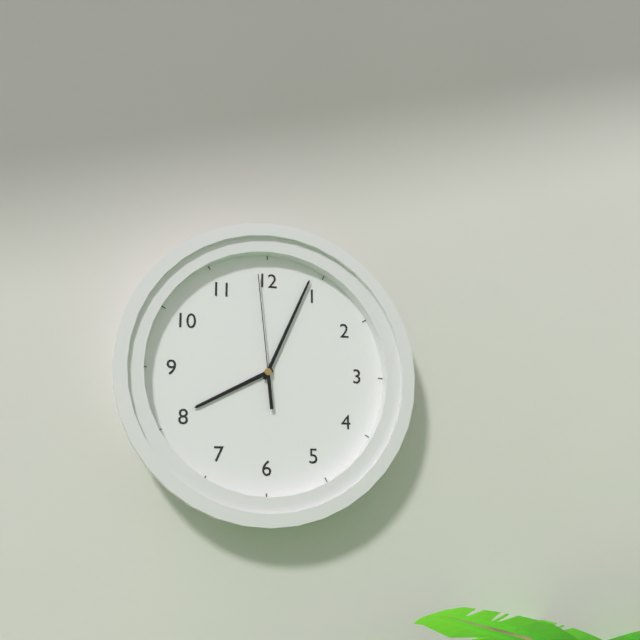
8 h 04 min 59 s
